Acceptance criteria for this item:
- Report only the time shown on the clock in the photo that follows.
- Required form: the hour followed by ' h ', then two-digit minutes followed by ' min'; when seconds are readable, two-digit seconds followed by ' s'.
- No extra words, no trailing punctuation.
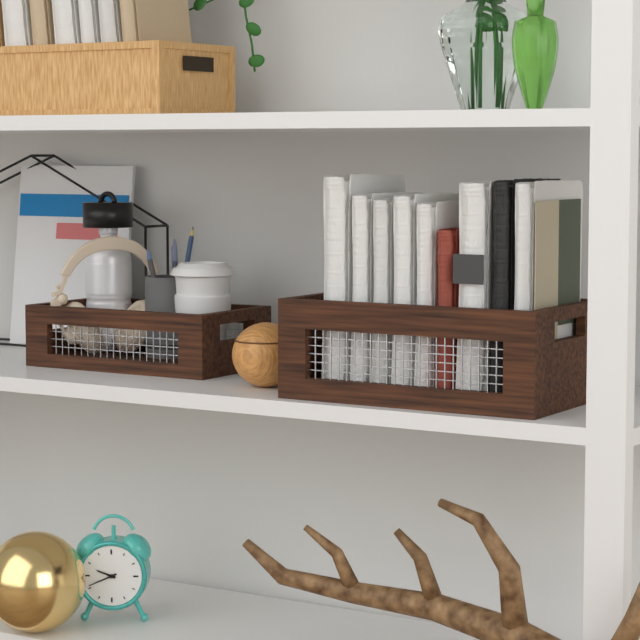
9 h 41 min
